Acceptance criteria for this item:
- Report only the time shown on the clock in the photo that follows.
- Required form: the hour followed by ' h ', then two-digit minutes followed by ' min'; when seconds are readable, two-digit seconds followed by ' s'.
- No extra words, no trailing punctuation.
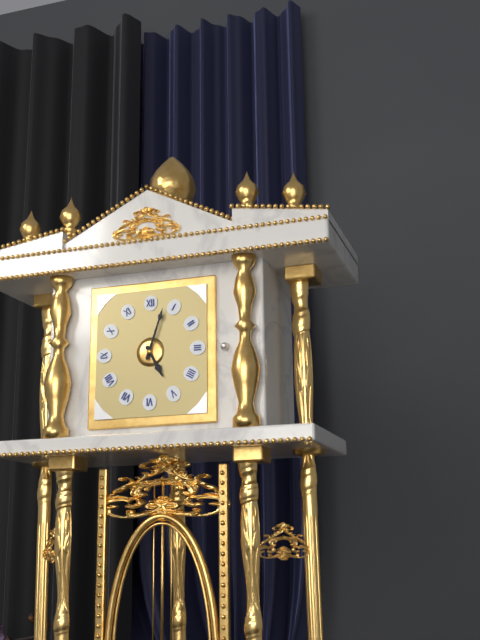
5 h 03 min
